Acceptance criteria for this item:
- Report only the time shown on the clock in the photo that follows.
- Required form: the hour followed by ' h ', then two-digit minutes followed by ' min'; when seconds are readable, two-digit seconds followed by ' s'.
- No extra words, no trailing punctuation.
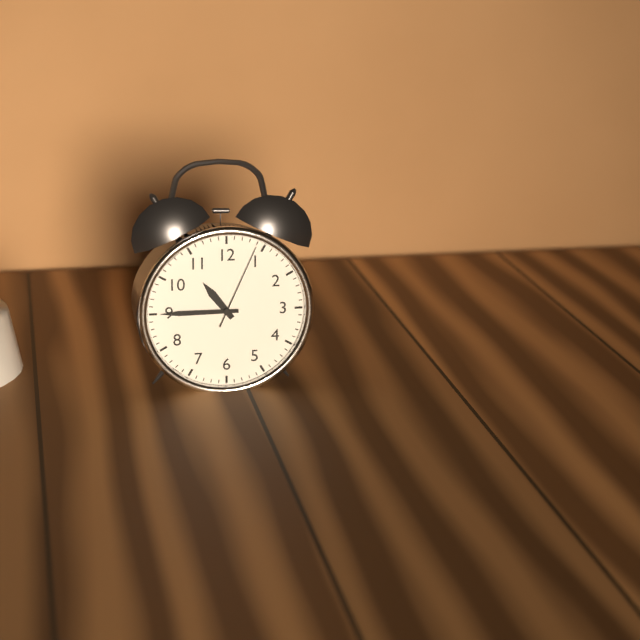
10 h 45 min 04 s
